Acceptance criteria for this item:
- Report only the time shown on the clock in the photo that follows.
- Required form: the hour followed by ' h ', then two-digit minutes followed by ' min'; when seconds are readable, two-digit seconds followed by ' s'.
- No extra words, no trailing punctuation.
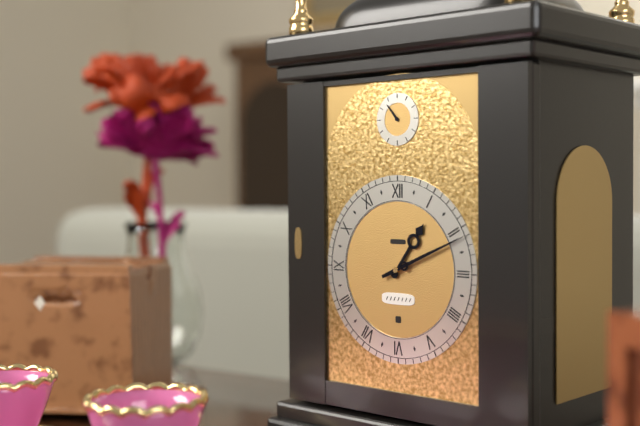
1 h 11 min
